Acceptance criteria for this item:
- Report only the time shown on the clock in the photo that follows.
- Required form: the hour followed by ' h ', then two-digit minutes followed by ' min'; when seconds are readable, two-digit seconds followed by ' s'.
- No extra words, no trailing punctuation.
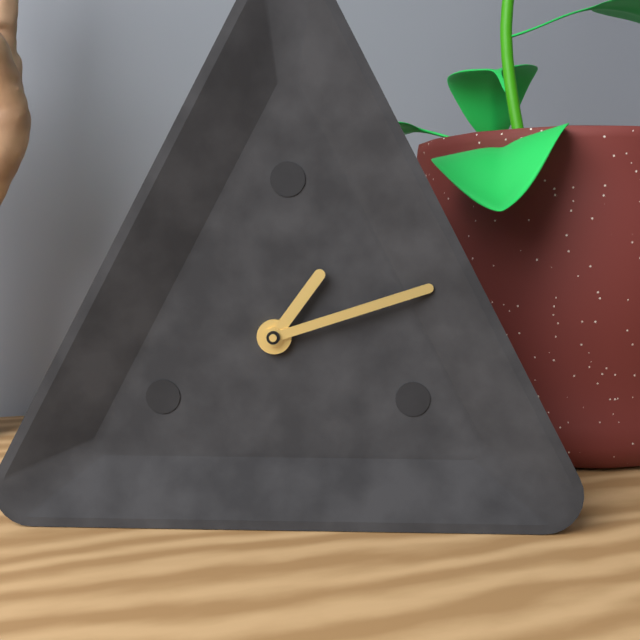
1 h 12 min
